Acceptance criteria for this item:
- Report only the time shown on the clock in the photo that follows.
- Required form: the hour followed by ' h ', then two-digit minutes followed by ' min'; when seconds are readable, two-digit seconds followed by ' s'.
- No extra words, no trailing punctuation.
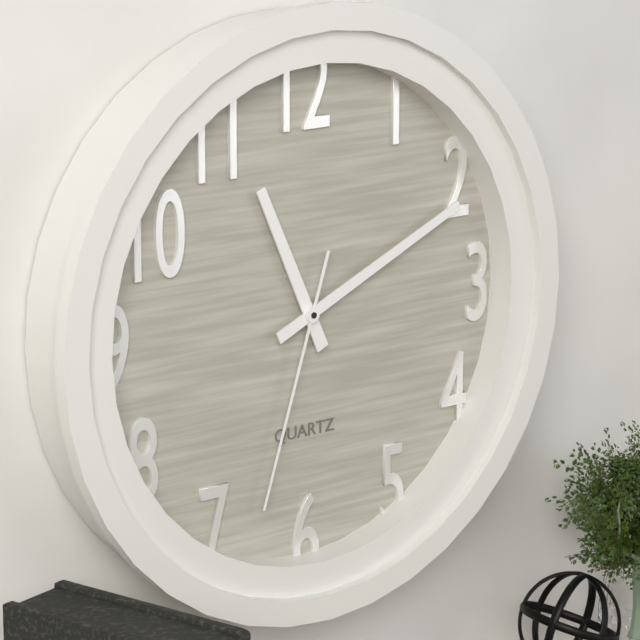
11 h 11 min 33 s
